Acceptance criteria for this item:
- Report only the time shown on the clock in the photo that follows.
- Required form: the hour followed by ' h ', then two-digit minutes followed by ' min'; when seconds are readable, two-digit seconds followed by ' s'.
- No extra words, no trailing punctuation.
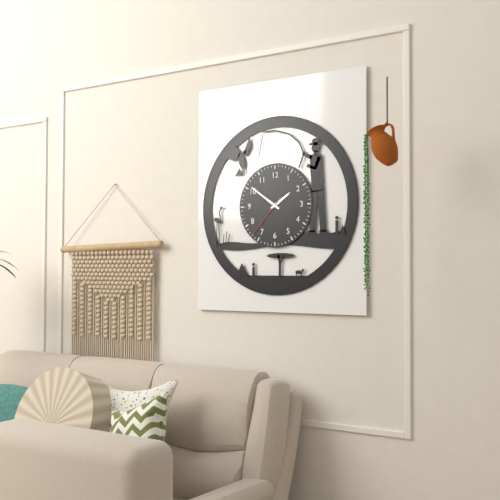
1 h 51 min
